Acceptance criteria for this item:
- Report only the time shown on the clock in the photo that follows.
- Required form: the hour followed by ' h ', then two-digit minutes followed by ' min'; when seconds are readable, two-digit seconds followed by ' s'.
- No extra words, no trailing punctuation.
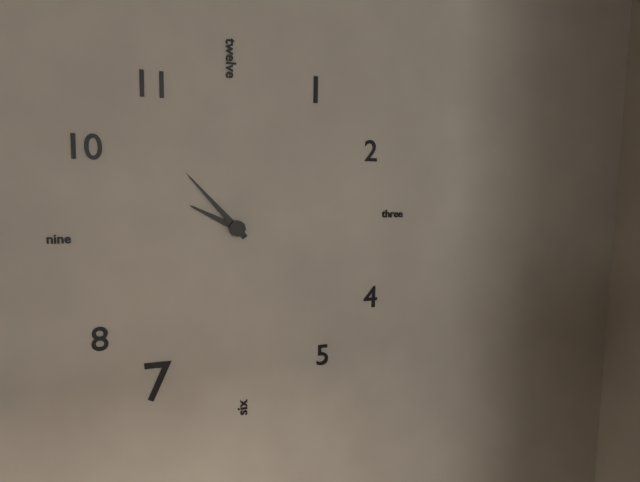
9 h 53 min
